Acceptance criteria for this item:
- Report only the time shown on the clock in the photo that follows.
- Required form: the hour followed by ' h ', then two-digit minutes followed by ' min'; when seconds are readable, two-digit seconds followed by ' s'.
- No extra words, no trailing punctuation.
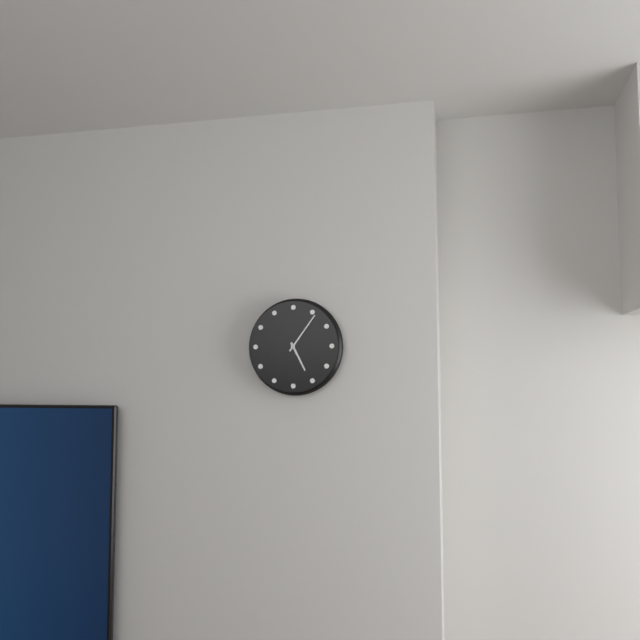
5 h 06 min
